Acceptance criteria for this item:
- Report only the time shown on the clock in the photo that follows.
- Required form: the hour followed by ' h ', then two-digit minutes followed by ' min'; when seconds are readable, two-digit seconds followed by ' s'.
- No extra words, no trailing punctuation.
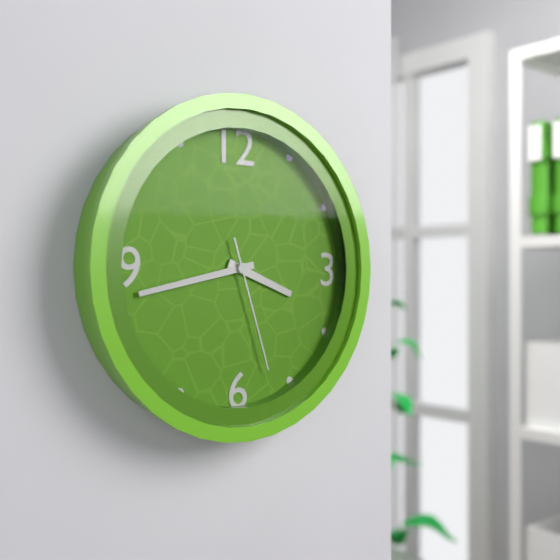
3 h 43 min 27 s
